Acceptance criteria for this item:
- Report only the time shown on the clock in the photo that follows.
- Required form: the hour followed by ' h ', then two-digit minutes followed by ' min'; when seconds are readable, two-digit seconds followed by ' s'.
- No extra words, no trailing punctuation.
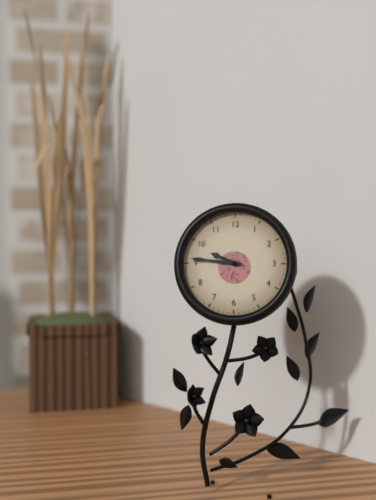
9 h 46 min
